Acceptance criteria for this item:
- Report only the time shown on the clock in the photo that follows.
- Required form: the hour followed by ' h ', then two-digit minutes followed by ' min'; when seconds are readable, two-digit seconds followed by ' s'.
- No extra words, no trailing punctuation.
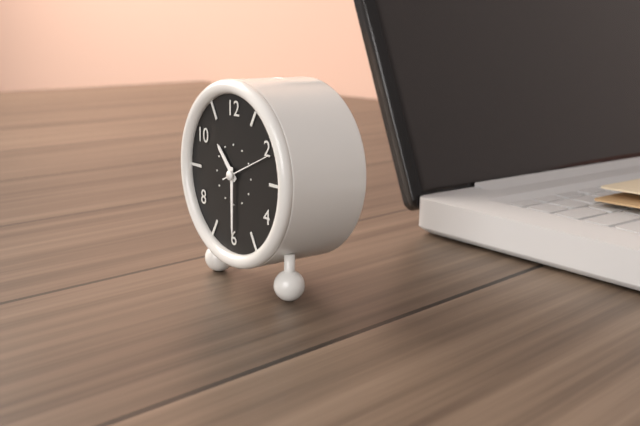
10 h 30 min 11 s
